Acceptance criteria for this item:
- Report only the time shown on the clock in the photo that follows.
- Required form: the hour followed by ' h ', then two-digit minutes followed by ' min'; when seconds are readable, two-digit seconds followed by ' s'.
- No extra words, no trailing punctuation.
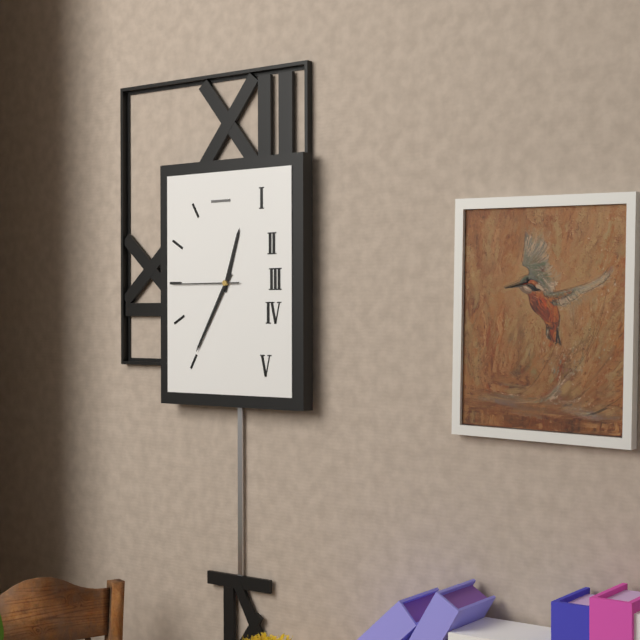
12 h 35 min 45 s
